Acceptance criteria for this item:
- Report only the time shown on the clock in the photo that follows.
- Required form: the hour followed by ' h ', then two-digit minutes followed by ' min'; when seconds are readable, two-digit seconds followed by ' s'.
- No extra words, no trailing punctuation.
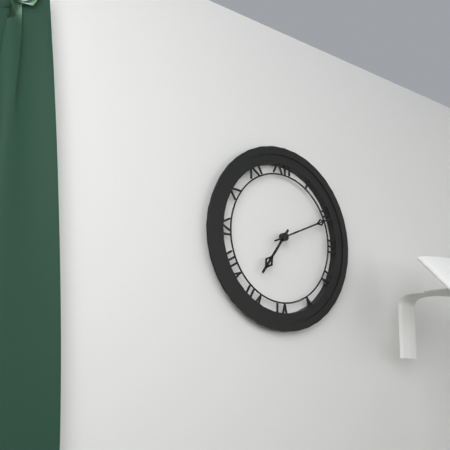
7 h 11 min
